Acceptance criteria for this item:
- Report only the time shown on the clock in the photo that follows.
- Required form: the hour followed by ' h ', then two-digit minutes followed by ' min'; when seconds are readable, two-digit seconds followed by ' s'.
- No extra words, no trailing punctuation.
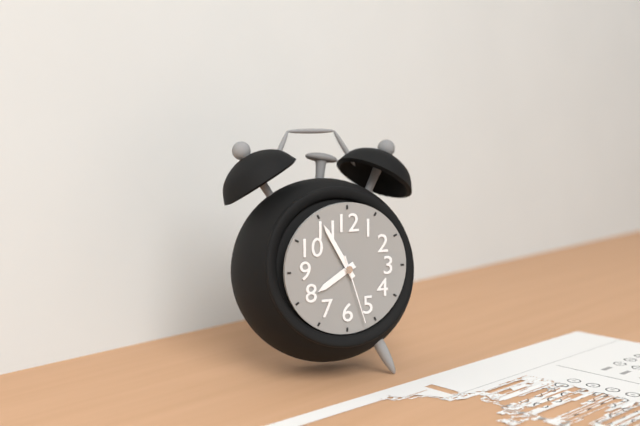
7 h 55 min 27 s
